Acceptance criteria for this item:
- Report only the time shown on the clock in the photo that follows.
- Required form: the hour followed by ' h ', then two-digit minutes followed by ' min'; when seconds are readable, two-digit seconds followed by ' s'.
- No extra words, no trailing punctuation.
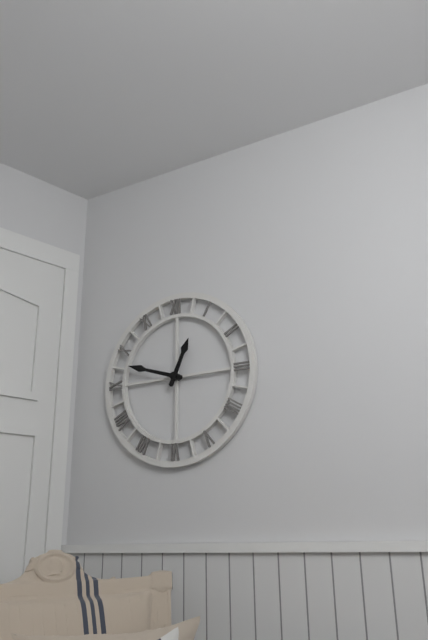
12 h 48 min
